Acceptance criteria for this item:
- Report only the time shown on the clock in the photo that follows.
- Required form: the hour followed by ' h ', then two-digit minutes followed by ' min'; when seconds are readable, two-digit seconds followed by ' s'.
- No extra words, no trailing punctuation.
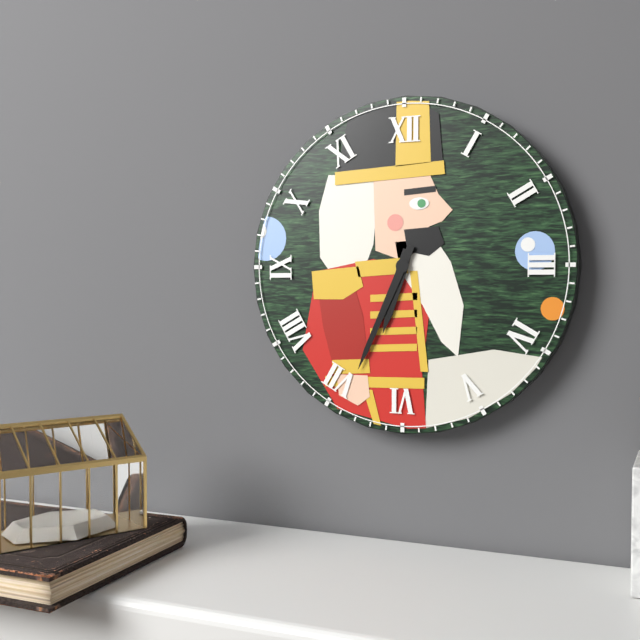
6 h 34 min
